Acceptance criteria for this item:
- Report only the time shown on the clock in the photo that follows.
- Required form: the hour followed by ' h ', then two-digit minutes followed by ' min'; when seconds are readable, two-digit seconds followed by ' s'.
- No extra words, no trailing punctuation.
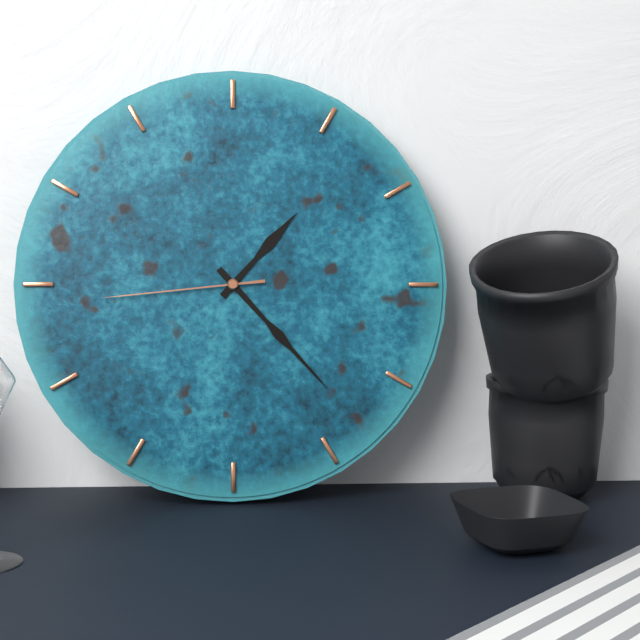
1 h 23 min 44 s
